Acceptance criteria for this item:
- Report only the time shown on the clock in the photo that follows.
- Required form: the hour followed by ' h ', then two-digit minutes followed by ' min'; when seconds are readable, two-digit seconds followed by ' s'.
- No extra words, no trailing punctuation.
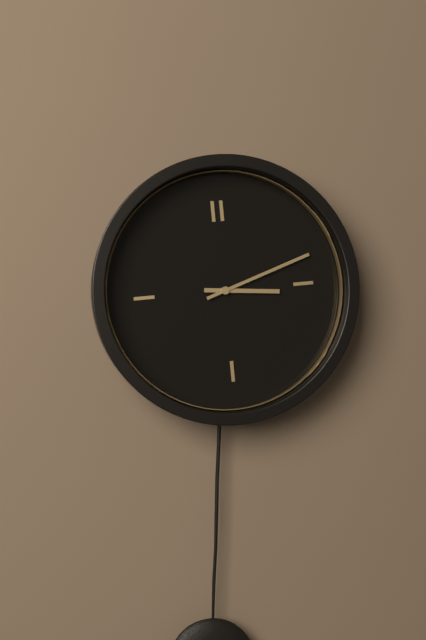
3 h 12 min
